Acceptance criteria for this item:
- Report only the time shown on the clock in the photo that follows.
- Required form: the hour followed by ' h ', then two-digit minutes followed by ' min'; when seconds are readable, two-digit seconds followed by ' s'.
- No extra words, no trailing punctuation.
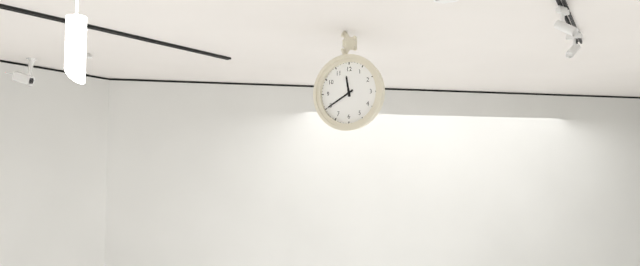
11 h 40 min
